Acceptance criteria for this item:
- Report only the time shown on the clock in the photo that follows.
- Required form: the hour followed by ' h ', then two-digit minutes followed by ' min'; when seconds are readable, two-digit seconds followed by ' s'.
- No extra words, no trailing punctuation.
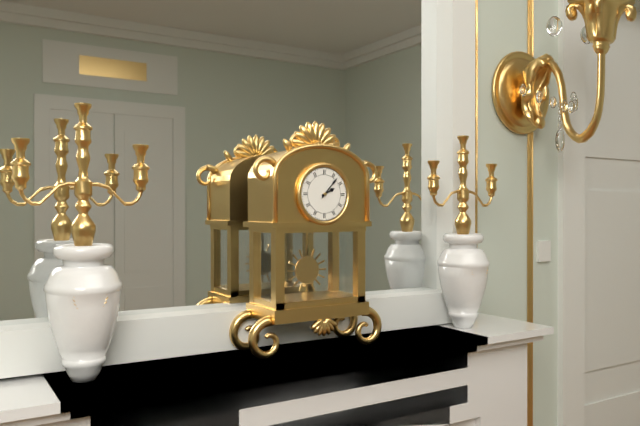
2 h 07 min
